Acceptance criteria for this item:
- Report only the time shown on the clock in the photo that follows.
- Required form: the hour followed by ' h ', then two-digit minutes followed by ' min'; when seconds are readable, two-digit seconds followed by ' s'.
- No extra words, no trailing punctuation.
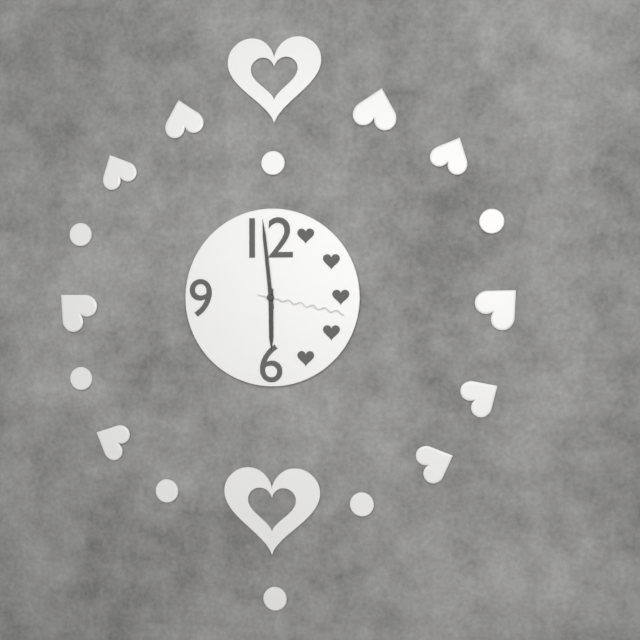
5 h 59 min 17 s
